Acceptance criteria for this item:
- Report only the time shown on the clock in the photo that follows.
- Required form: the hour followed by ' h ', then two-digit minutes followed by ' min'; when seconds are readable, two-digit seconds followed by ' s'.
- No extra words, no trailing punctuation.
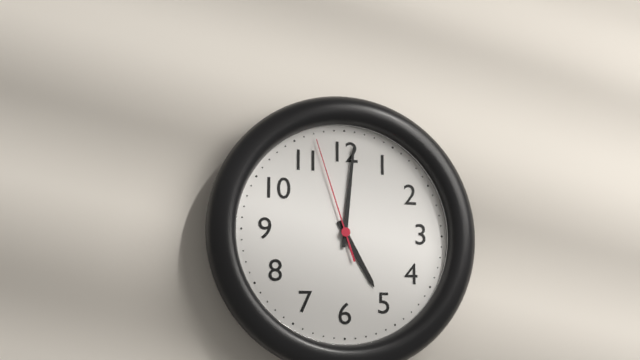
5 h 01 min 57 s
